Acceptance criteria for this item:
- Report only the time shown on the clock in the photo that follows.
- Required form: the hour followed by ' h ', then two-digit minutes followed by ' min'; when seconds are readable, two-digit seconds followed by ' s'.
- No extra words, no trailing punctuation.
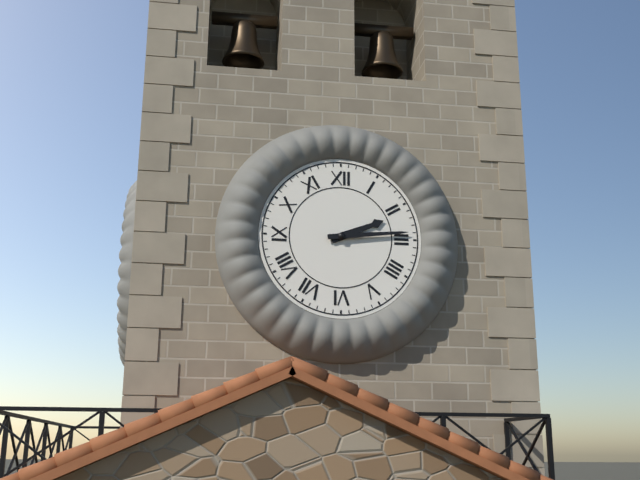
2 h 14 min
